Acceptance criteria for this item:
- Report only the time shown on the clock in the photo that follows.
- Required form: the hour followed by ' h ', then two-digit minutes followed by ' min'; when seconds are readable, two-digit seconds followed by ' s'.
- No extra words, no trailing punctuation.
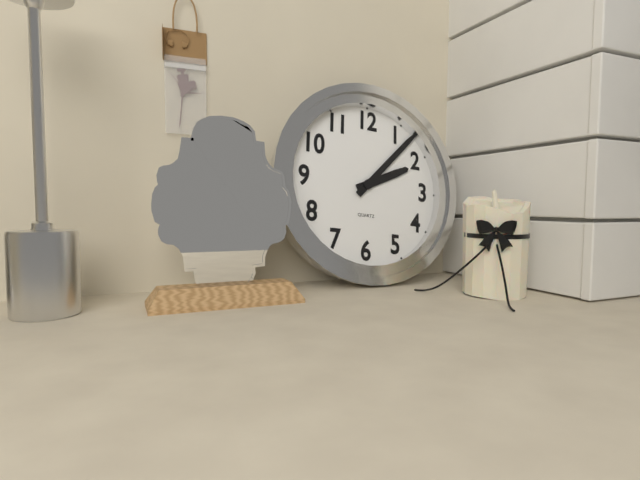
2 h 07 min
